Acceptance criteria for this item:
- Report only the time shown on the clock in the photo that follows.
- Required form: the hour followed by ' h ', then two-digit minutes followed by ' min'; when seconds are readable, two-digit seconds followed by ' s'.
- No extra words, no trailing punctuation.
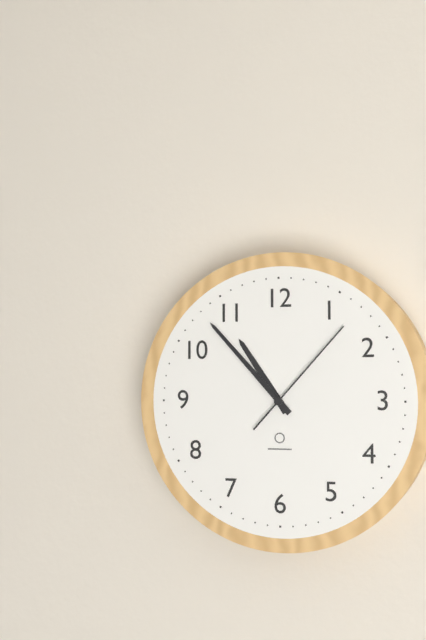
10 h 53 min 07 s
